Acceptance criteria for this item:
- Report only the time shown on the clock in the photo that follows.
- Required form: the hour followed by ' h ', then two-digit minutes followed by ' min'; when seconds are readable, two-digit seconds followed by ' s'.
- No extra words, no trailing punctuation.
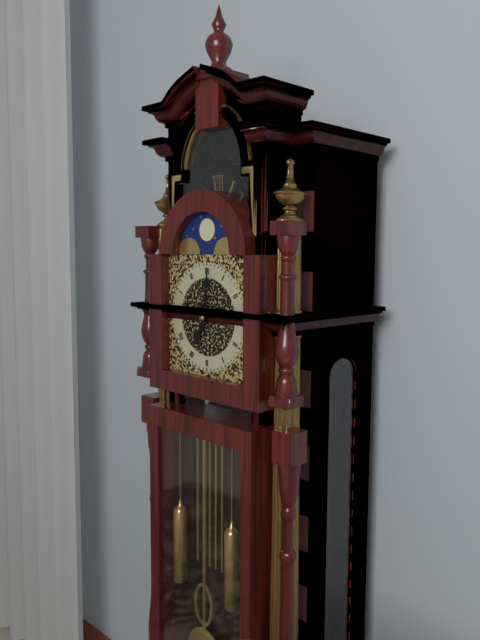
7 h 01 min
